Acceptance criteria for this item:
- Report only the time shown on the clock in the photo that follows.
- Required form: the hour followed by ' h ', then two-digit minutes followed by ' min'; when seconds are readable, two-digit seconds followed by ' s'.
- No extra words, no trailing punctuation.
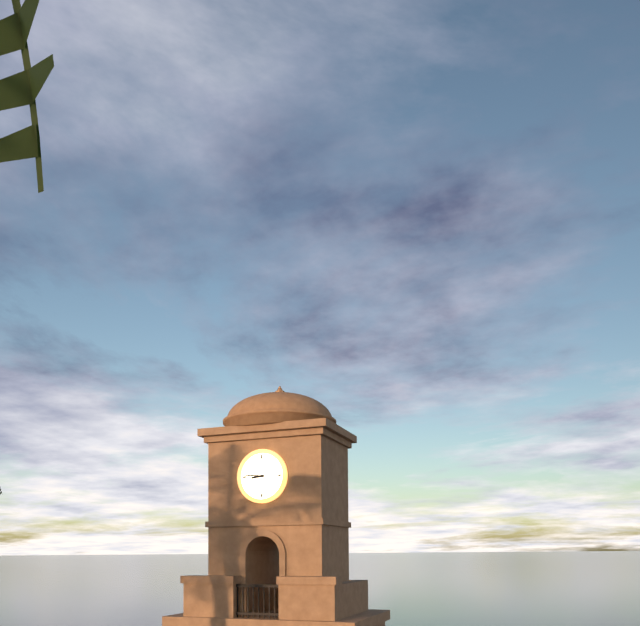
8 h 46 min
